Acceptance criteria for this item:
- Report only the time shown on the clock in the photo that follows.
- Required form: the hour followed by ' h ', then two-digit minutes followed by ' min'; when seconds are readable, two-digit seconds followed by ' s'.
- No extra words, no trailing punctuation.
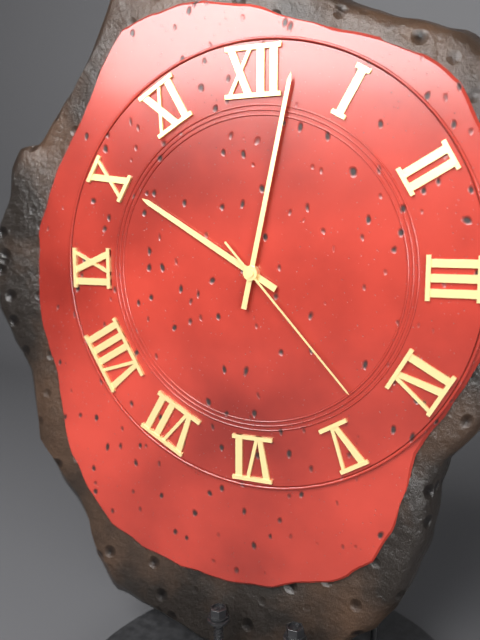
10 h 02 min 23 s
